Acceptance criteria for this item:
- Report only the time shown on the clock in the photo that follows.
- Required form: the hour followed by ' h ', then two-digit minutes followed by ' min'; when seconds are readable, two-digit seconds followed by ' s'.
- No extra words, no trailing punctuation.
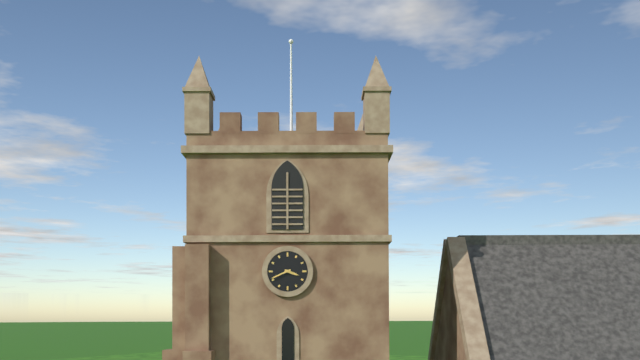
3 h 41 min
